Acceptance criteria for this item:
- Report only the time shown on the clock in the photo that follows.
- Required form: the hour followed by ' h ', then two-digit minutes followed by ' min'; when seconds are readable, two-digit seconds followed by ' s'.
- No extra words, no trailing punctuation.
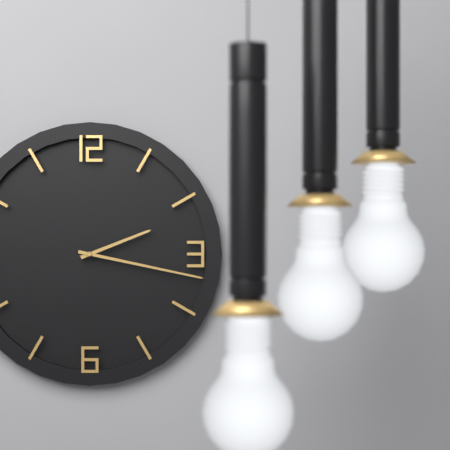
2 h 17 min
